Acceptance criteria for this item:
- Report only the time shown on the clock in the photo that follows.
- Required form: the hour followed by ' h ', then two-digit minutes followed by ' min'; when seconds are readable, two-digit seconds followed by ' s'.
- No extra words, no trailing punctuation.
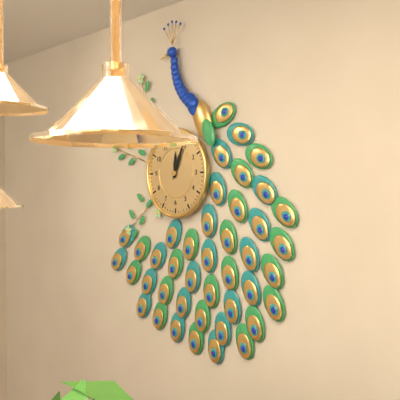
12 h 04 min
